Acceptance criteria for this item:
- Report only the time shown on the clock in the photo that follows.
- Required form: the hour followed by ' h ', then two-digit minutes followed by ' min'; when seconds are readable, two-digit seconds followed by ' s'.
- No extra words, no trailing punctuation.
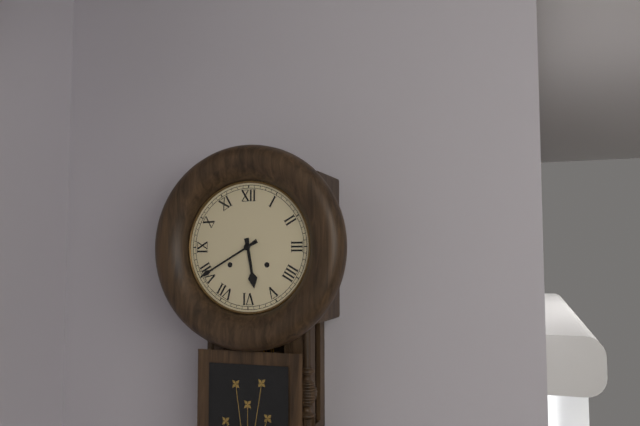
5 h 40 min
